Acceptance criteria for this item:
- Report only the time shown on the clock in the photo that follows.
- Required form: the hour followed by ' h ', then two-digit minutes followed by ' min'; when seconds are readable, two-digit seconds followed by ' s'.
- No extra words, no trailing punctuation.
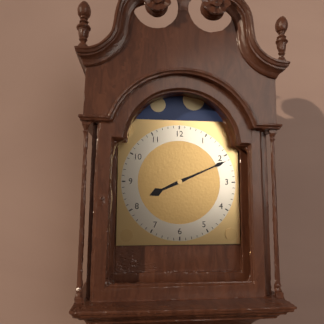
8 h 11 min
